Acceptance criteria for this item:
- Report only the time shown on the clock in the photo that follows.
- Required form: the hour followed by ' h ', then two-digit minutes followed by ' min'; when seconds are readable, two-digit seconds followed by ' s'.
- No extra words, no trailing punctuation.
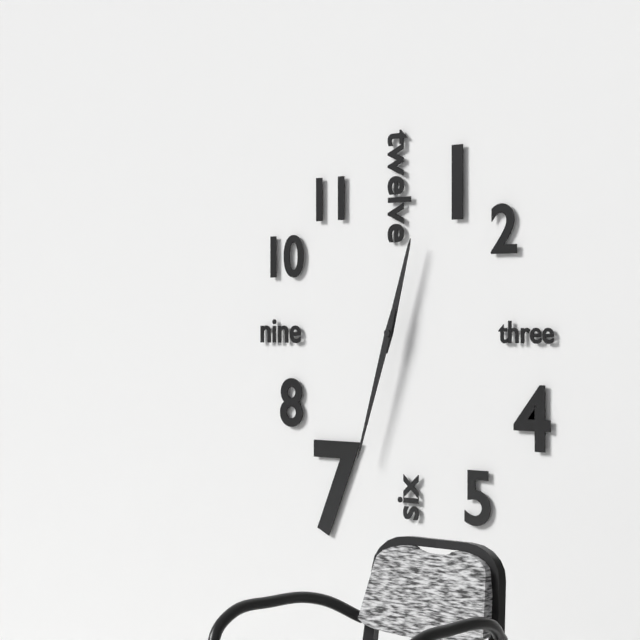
12 h 33 min
